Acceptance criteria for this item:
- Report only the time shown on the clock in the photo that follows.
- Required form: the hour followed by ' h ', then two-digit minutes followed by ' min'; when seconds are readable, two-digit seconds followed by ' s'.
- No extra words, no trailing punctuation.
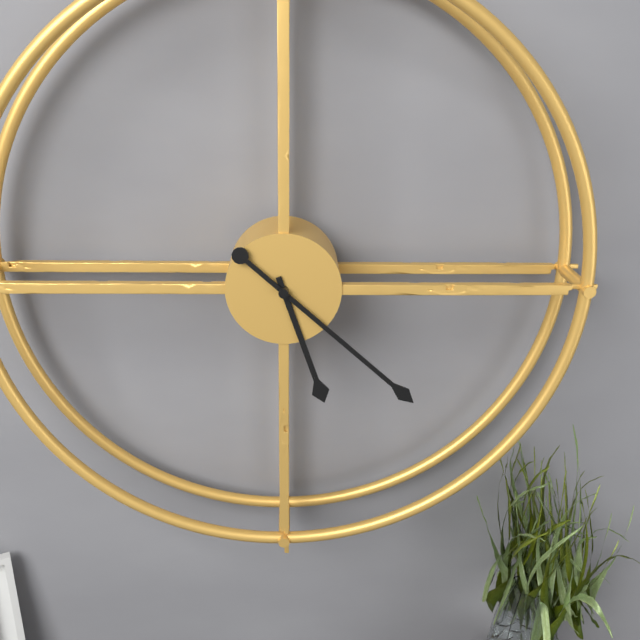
5 h 22 min
